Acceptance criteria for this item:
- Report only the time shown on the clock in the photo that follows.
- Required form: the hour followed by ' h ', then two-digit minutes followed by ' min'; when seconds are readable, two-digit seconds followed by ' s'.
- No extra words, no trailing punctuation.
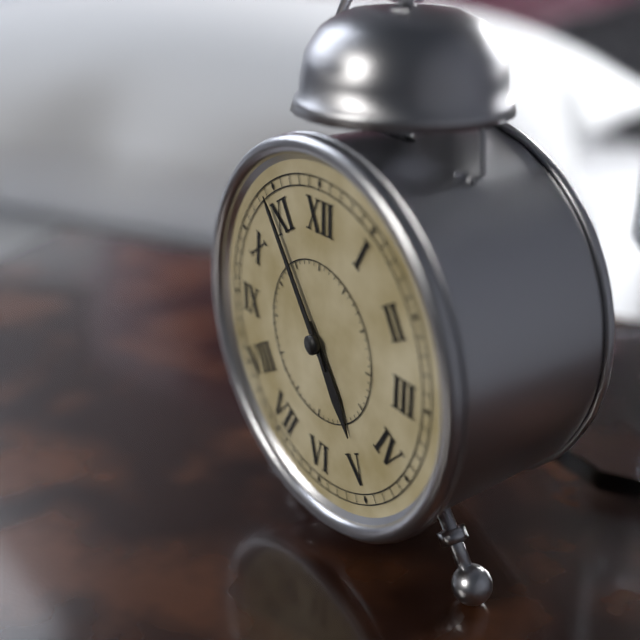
4 h 54 min
